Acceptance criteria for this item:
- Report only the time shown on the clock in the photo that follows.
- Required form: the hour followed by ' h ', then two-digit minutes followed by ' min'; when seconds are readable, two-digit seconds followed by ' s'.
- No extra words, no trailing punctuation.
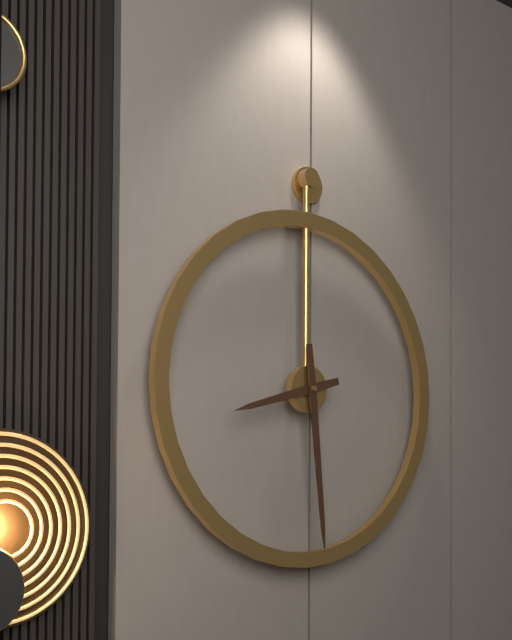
8 h 29 min
